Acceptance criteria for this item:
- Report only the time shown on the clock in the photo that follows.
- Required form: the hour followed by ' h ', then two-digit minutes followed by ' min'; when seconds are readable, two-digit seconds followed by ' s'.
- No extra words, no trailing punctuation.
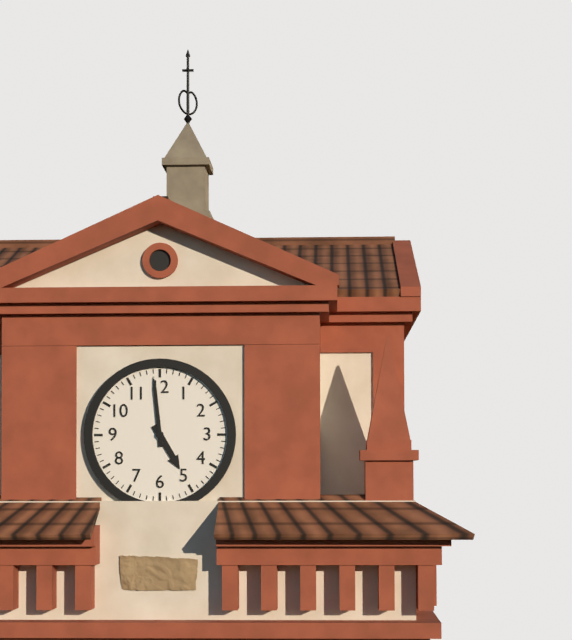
4 h 59 min
